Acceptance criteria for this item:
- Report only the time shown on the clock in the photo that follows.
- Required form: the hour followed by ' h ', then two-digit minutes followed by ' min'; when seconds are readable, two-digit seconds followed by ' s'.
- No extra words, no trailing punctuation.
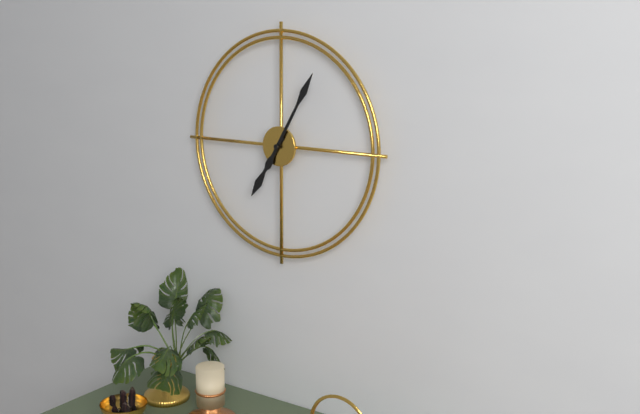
7 h 05 min
